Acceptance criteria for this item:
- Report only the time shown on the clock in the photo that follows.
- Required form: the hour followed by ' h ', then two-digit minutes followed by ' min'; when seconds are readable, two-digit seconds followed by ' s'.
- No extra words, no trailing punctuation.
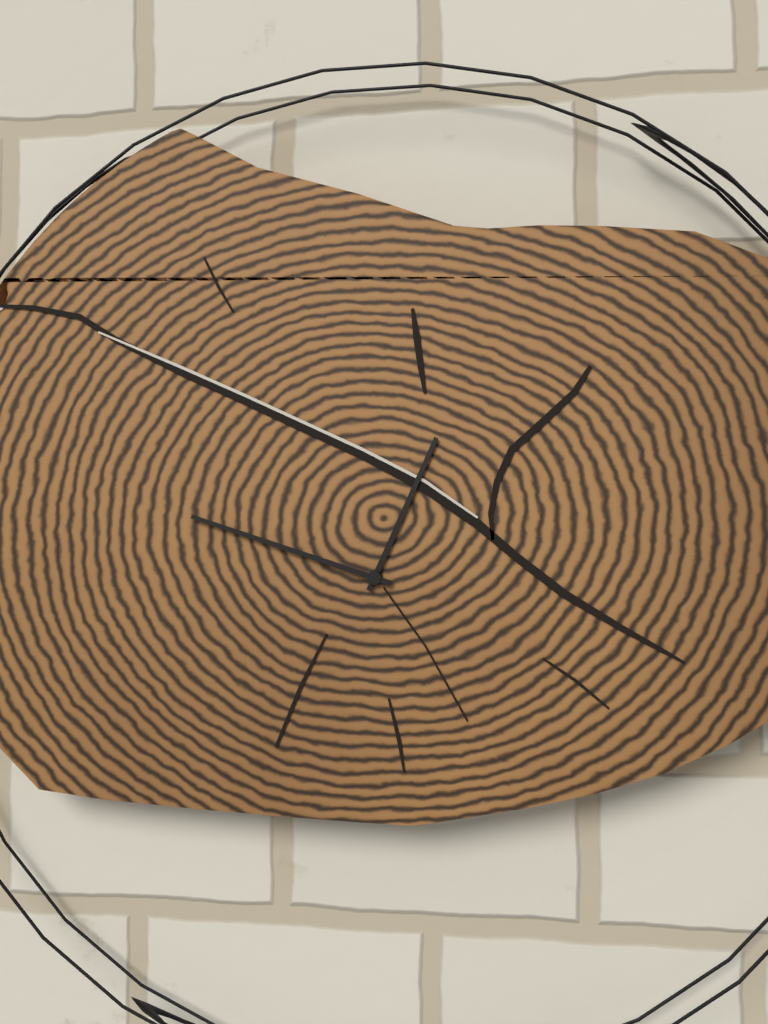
12 h 48 min
